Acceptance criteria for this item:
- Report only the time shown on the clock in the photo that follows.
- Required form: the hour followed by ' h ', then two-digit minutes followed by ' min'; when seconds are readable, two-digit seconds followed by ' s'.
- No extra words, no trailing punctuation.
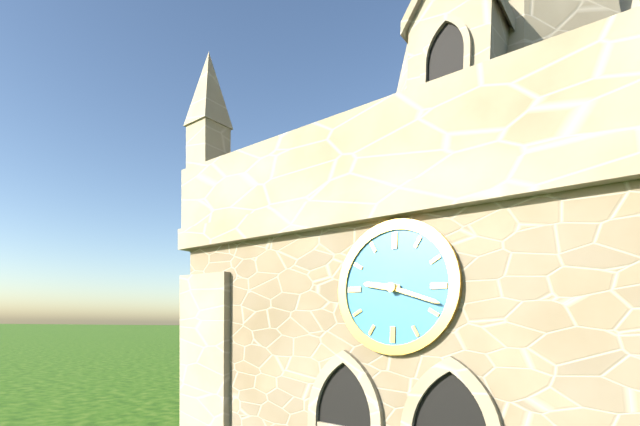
9 h 18 min
